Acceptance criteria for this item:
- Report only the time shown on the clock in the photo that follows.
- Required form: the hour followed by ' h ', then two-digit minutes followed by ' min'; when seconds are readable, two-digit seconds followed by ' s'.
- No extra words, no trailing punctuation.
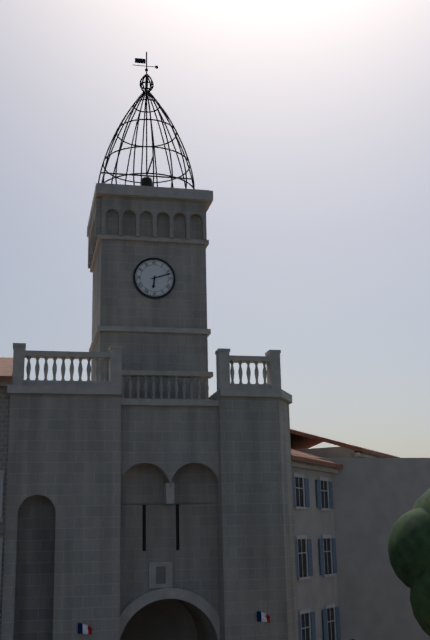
6 h 12 min
